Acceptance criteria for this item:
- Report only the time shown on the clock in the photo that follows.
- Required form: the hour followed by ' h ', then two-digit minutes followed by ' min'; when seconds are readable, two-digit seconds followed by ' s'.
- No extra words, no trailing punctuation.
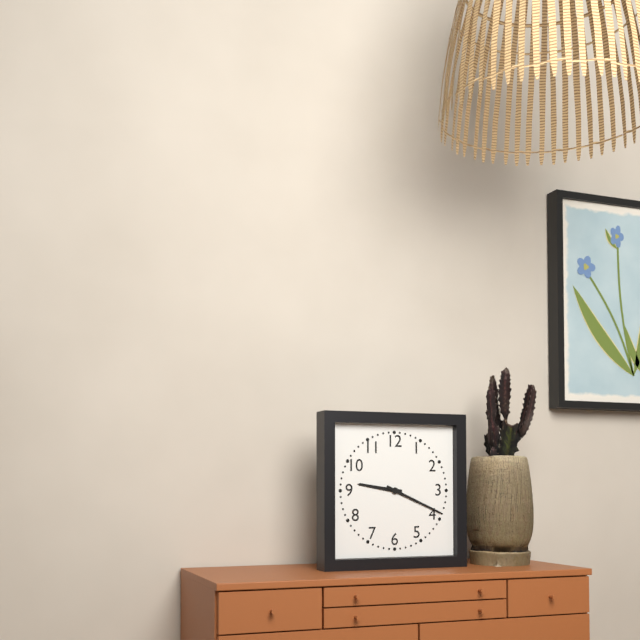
9 h 19 min
